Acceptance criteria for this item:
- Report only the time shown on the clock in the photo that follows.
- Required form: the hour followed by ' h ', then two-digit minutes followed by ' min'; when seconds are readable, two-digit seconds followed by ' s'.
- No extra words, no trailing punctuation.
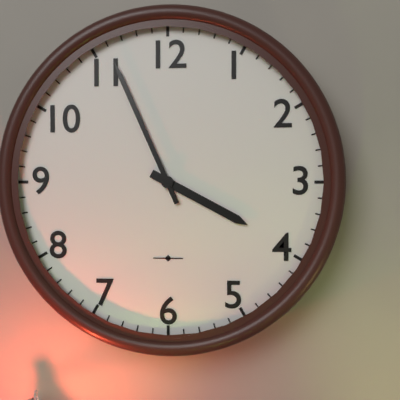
3 h 56 min
